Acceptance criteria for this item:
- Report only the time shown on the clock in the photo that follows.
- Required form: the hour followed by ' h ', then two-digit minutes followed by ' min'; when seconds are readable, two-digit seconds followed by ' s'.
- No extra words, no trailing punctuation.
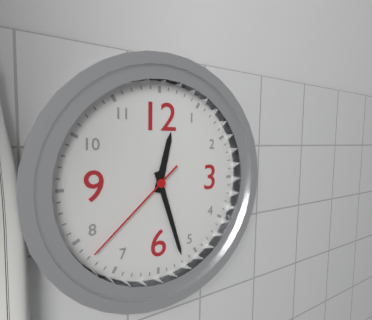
12 h 27 min 38 s
